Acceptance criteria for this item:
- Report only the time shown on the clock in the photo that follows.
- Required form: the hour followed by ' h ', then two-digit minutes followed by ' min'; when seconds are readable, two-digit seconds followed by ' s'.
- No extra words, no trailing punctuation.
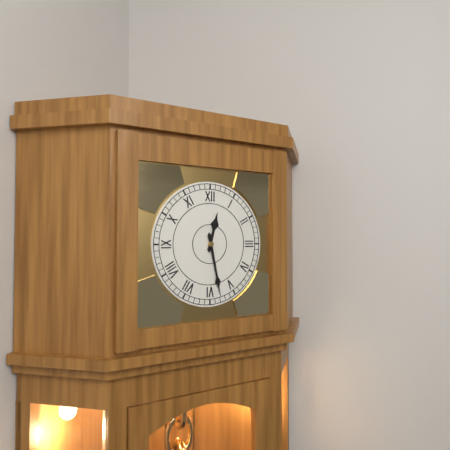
12 h 28 min
